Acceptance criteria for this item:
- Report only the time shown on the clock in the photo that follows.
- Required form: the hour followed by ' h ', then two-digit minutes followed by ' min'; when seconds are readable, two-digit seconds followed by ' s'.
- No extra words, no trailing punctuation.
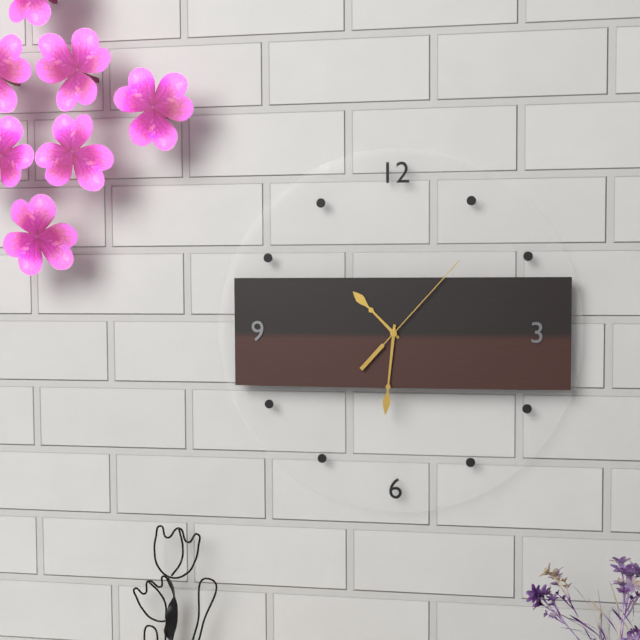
10 h 31 min 07 s
